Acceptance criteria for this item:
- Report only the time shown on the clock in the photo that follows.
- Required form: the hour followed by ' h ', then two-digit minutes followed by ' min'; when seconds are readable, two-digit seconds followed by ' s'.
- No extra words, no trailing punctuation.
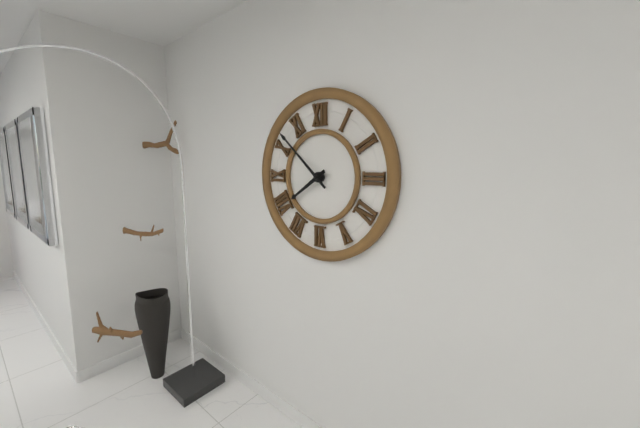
7 h 52 min
